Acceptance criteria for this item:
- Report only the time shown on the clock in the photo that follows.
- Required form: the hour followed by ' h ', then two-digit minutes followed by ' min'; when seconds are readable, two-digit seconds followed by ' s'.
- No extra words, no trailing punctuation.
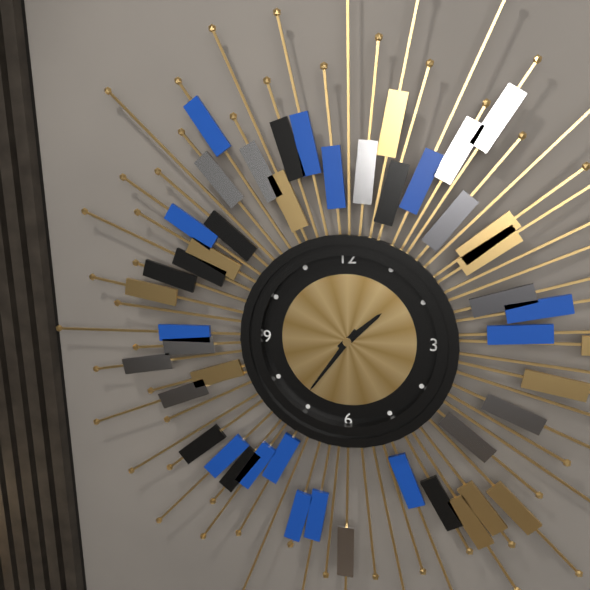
1 h 36 min
